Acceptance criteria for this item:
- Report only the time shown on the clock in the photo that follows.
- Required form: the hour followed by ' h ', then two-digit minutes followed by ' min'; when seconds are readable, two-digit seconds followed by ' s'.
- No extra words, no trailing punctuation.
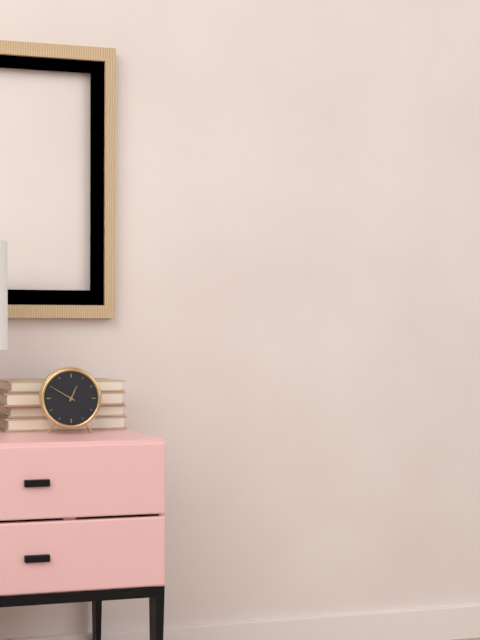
12 h 50 min
